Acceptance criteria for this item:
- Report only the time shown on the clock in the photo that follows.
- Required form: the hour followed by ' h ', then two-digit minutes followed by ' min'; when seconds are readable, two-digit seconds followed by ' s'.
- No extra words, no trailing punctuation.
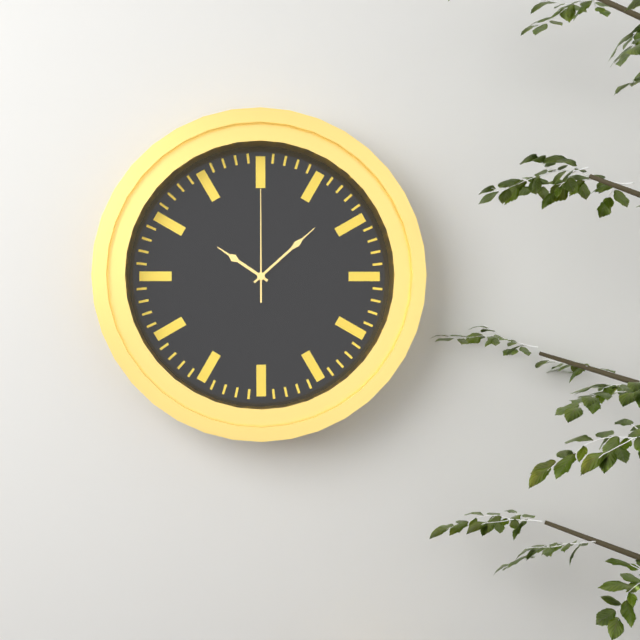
10 h 08 min 00 s
